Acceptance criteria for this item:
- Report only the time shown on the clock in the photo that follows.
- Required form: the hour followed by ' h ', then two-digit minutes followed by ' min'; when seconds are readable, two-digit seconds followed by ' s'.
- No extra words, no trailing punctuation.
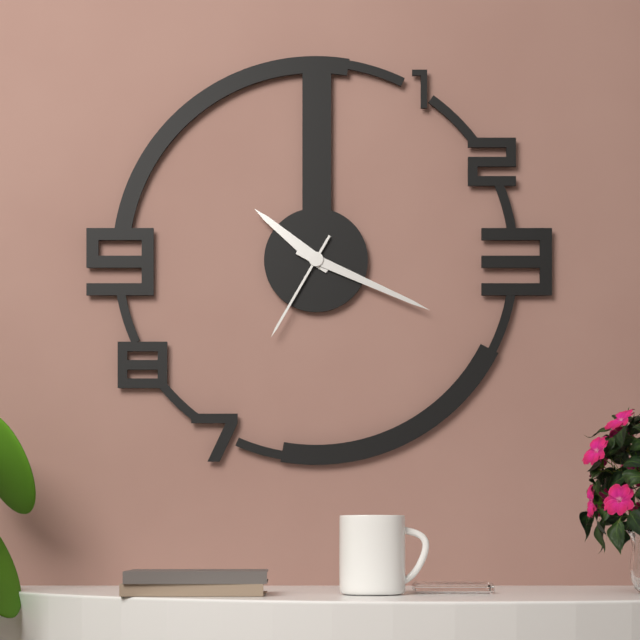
10 h 19 min 35 s
